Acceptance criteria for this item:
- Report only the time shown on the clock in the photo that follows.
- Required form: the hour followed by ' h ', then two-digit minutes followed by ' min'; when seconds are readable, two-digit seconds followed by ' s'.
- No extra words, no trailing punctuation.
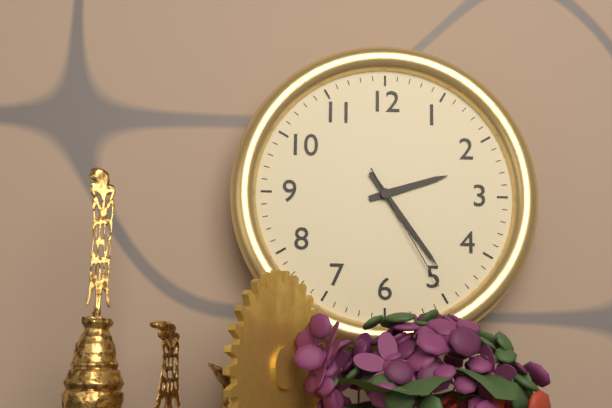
2 h 24 min 25 s
